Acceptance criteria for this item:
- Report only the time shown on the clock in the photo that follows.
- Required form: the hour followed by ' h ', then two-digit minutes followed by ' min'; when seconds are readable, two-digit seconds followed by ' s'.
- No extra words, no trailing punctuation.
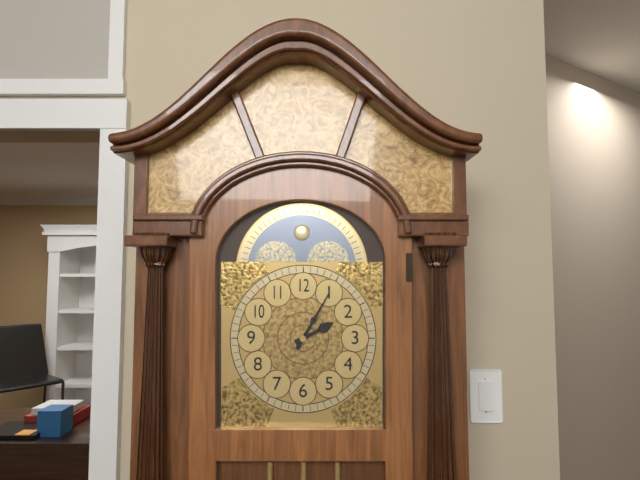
2 h 05 min
